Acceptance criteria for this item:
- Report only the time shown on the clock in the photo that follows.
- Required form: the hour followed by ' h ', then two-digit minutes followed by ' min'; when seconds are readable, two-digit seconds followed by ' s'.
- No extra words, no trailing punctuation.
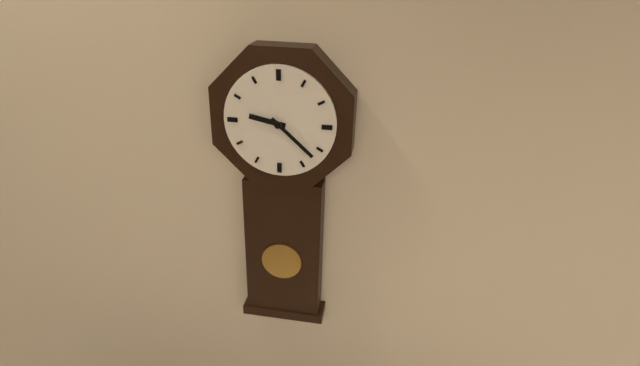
9 h 22 min
